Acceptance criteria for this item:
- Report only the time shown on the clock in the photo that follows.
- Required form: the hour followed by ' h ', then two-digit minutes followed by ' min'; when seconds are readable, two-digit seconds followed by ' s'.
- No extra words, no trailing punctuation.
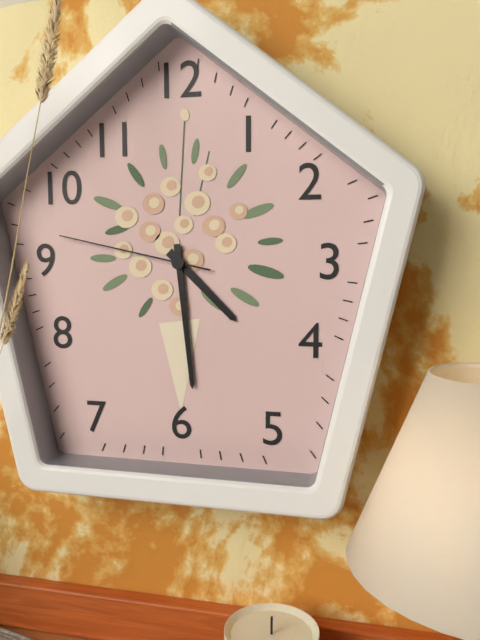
4 h 29 min 47 s
